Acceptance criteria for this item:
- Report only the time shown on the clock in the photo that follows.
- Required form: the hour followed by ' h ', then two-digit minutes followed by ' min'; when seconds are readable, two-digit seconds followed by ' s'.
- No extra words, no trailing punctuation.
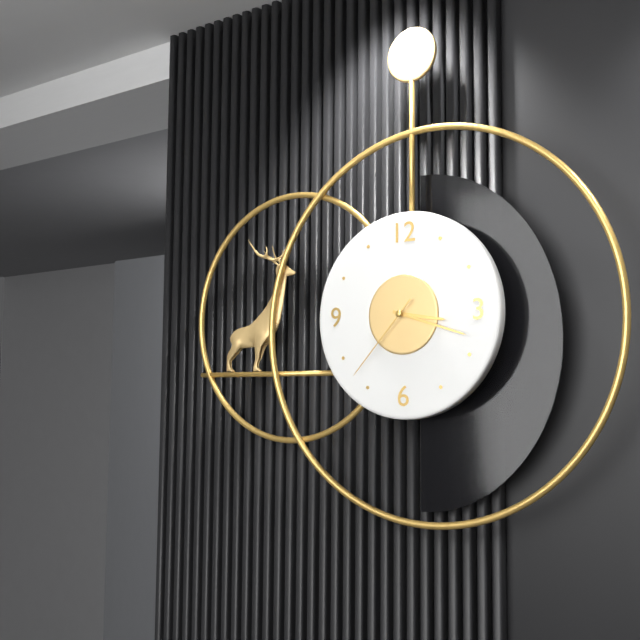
3 h 18 min 37 s
